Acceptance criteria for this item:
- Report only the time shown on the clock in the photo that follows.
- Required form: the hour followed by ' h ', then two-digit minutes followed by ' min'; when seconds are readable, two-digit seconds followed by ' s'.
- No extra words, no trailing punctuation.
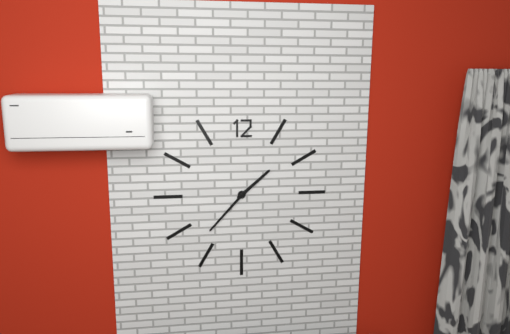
1 h 37 min
